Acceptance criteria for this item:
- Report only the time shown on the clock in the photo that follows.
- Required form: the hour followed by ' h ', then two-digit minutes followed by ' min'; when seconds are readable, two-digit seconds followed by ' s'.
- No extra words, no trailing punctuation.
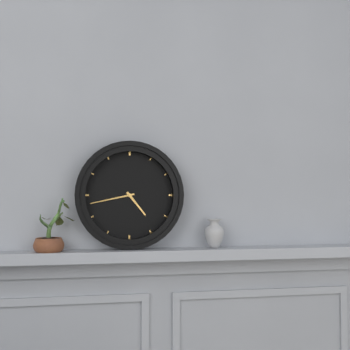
4 h 43 min
